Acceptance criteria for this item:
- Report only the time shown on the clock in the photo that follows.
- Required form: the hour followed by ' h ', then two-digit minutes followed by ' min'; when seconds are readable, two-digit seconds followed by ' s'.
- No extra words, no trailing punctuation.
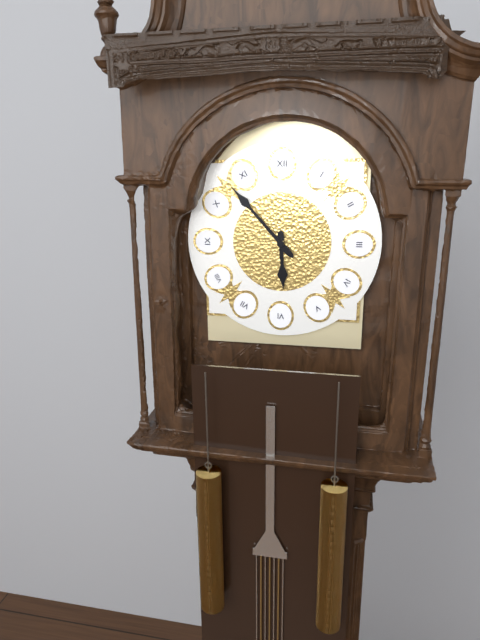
5 h 53 min
